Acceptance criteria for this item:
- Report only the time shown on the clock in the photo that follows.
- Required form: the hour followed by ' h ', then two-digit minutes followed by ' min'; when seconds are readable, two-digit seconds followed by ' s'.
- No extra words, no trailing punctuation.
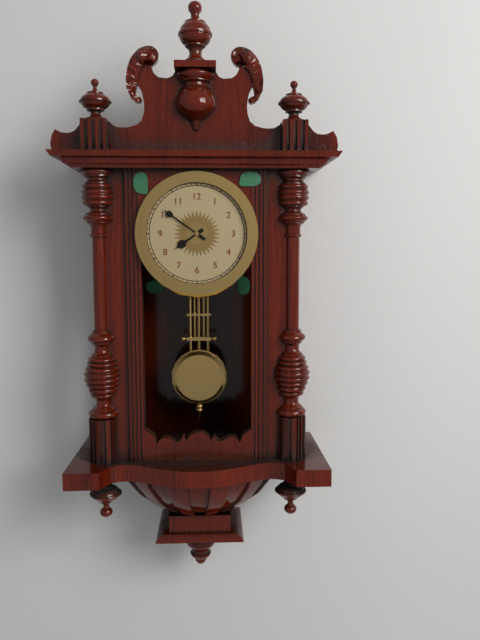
7 h 51 min
